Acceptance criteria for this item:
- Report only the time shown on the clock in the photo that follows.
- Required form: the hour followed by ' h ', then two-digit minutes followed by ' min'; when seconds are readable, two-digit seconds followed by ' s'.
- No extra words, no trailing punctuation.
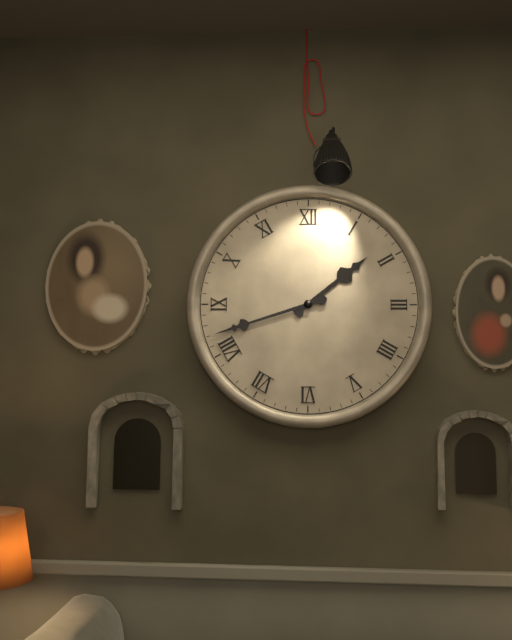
1 h 42 min
